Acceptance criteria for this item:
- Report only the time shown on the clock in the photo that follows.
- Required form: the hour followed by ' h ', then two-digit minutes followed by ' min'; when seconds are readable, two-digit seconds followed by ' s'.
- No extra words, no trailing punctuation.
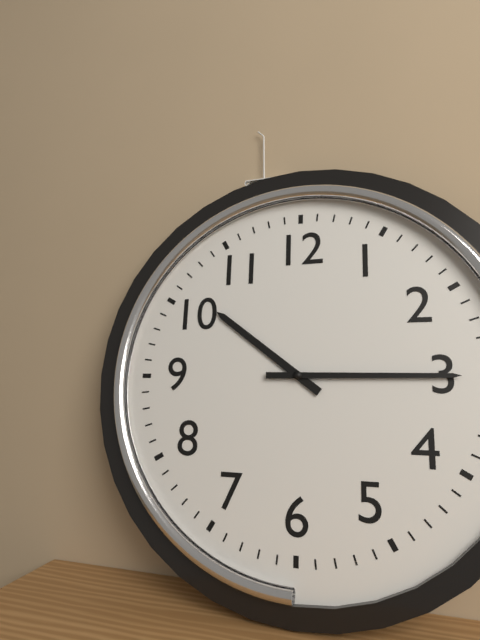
10 h 15 min
